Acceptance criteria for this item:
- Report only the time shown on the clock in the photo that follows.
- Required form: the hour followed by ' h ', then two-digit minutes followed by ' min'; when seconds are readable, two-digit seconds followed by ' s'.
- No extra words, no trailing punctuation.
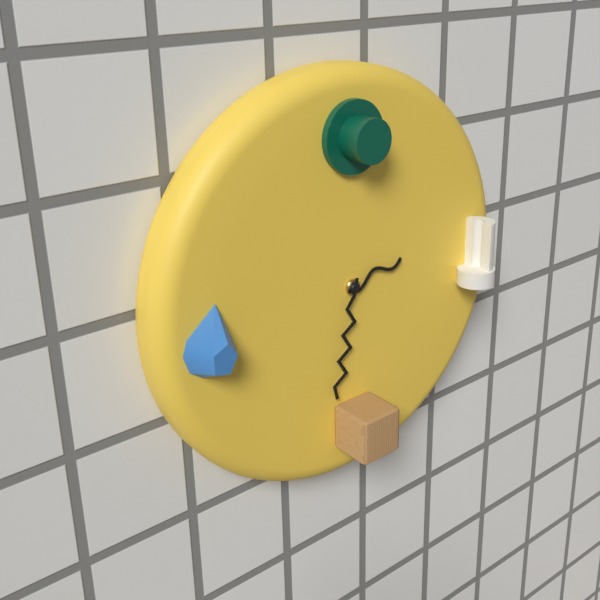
2 h 32 min
